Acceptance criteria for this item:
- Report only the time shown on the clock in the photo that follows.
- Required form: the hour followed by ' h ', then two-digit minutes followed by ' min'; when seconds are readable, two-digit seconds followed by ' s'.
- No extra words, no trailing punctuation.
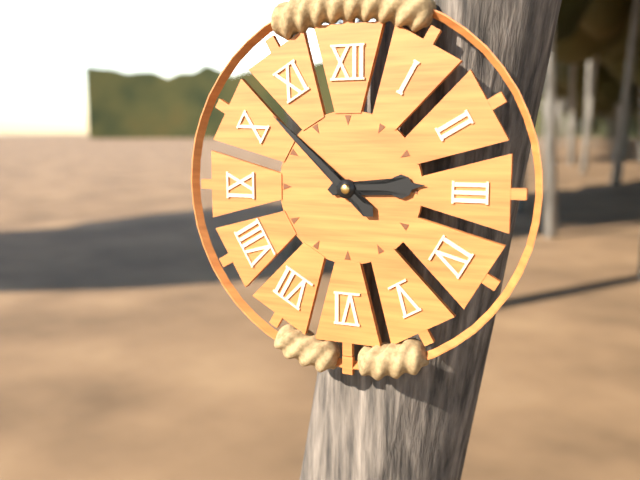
2 h 52 min
